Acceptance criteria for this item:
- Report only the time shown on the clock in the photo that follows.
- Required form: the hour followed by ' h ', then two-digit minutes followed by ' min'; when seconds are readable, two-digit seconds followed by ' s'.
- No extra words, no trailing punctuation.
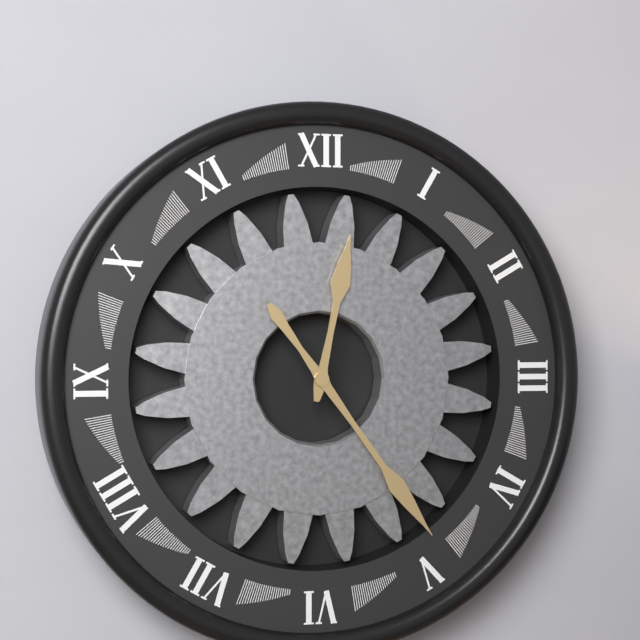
12 h 24 min
